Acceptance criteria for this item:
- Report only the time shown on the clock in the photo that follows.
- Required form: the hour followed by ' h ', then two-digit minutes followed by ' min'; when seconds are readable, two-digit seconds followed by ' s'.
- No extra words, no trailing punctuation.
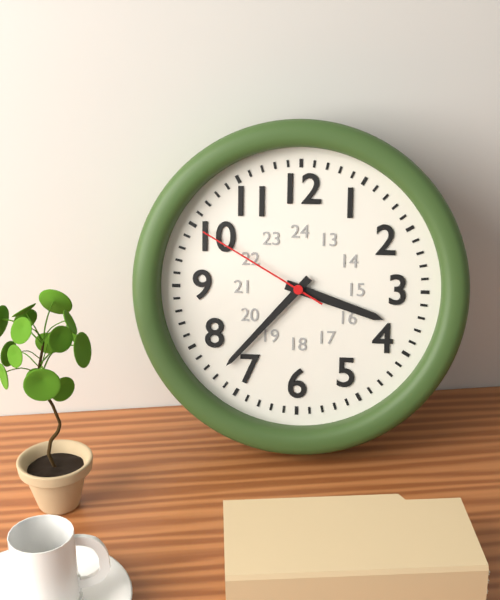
3 h 37 min 50 s
